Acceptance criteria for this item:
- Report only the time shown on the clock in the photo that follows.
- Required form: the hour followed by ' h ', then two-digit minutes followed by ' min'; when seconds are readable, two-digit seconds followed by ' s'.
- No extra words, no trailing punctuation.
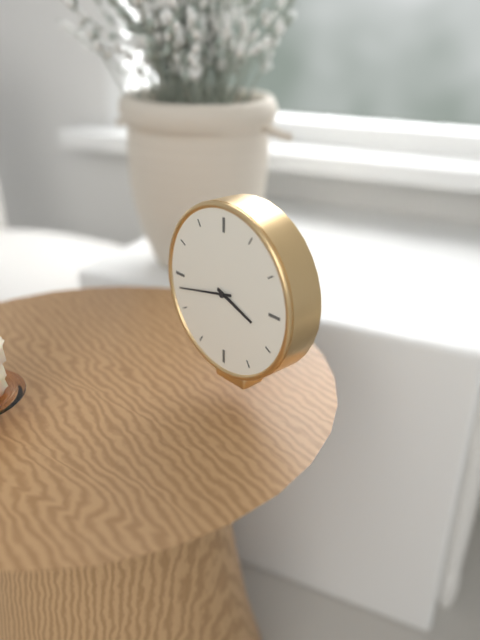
3 h 43 min
